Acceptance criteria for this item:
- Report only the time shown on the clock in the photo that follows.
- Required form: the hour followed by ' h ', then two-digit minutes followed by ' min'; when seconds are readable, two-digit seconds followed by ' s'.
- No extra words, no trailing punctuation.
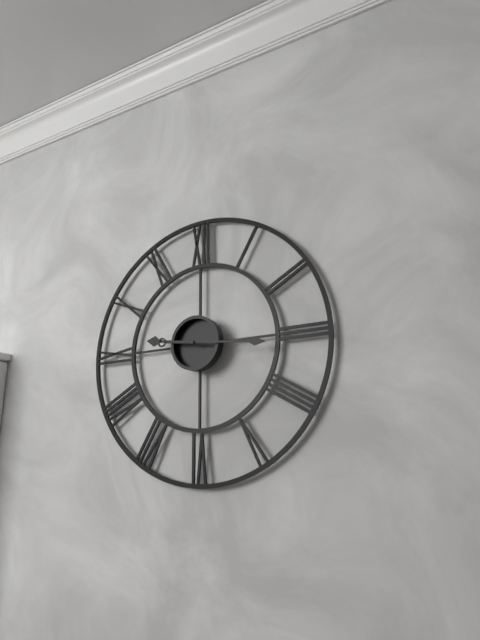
9 h 16 min
